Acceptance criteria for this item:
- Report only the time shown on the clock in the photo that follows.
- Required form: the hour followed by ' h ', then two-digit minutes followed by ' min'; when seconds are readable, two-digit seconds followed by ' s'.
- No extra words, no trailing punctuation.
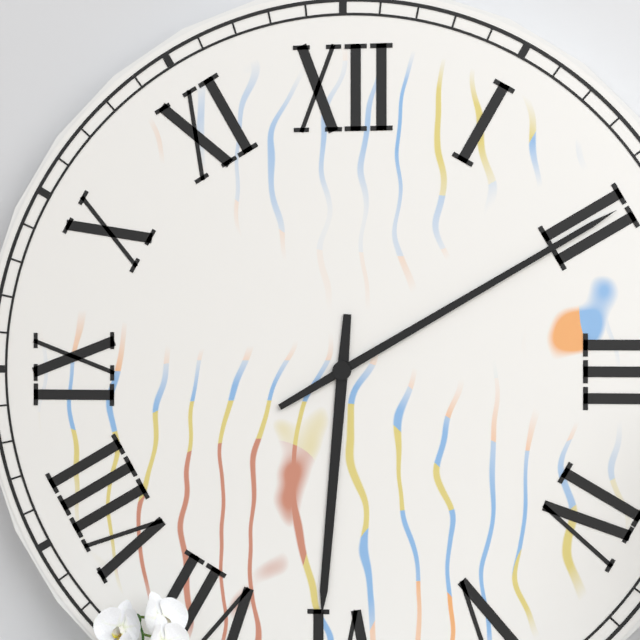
6 h 10 min
